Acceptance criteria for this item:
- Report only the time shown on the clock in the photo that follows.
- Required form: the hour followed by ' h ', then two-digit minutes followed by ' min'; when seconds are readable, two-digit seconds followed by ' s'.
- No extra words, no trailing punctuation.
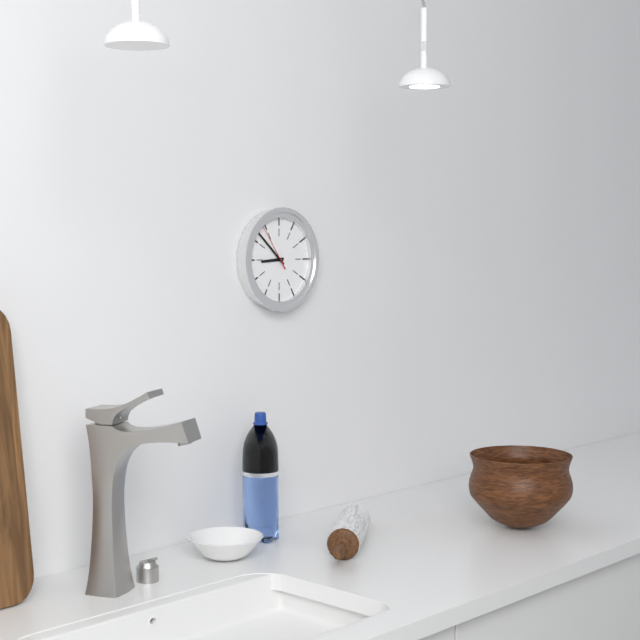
8 h 52 min 54 s
